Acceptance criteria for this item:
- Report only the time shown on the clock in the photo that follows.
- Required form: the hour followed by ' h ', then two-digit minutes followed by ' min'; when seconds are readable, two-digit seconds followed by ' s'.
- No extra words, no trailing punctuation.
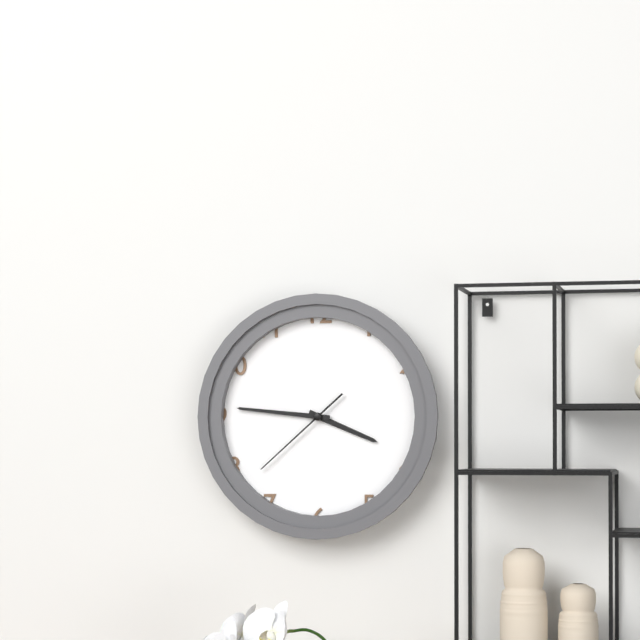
3 h 46 min 38 s
